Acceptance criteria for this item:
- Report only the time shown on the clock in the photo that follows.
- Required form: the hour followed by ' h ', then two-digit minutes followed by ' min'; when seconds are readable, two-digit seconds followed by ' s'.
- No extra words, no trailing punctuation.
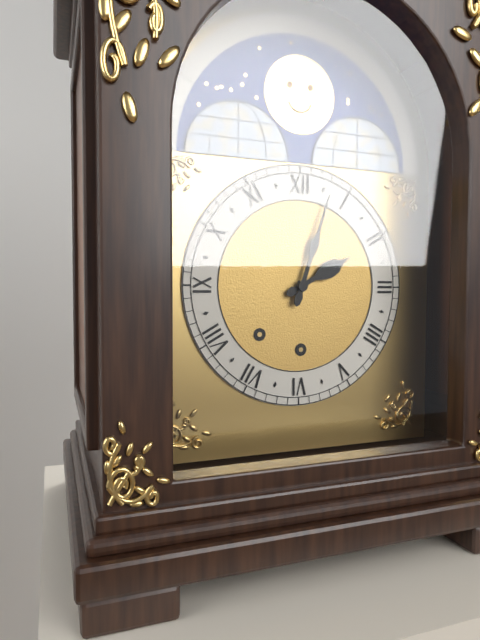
2 h 03 min
